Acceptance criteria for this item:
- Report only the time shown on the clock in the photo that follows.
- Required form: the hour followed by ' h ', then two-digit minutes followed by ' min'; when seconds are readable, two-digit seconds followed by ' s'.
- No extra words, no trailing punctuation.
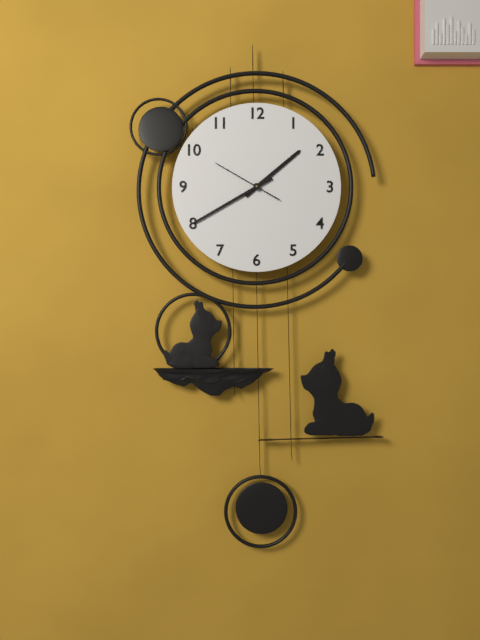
1 h 40 min 50 s
